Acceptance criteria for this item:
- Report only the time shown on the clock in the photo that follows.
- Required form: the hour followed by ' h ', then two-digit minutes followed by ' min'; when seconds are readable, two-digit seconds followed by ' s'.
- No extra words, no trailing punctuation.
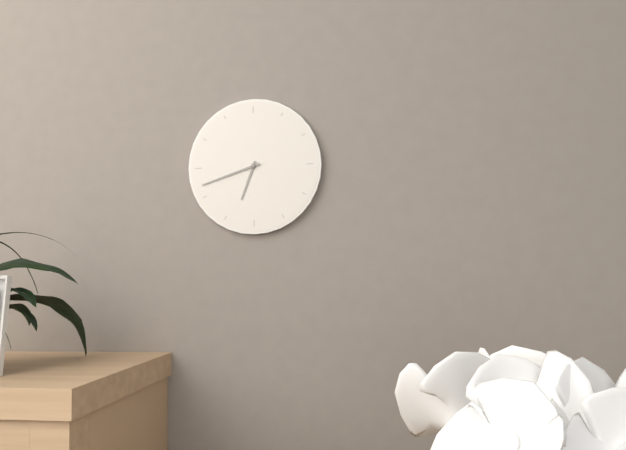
6 h 42 min
